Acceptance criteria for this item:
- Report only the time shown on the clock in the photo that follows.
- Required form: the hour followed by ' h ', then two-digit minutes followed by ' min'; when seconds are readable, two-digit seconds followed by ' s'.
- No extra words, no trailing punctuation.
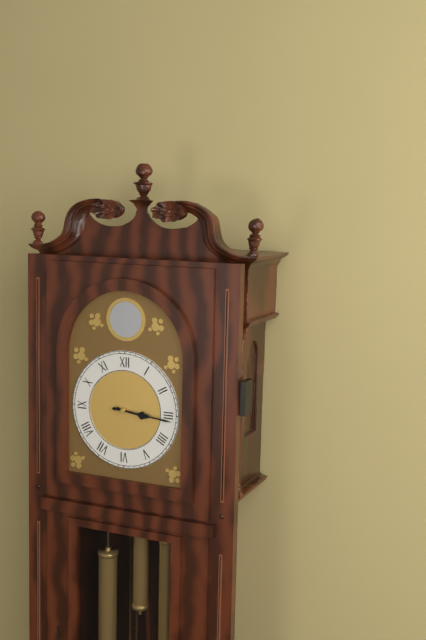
3 h 16 min
